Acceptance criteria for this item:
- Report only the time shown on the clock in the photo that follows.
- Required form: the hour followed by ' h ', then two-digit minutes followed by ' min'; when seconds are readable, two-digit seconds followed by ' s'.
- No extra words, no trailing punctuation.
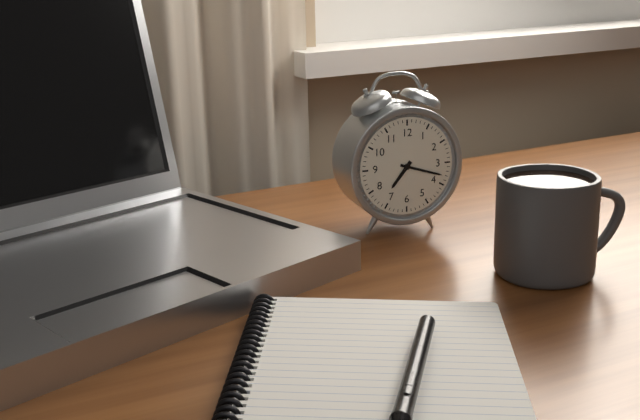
7 h 18 min
